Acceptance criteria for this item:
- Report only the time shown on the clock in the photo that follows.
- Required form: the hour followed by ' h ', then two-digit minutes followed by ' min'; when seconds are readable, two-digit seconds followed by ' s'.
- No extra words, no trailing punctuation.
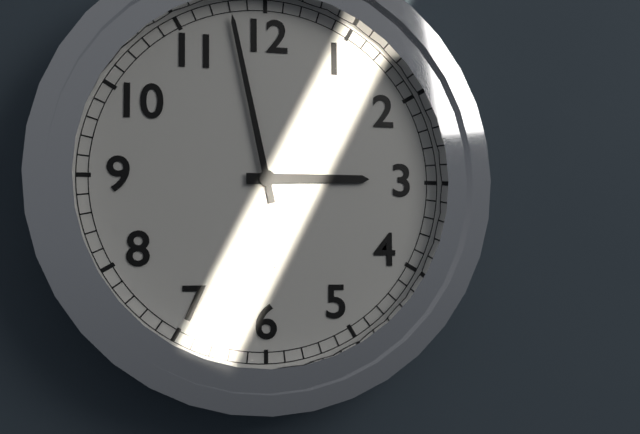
2 h 58 min
